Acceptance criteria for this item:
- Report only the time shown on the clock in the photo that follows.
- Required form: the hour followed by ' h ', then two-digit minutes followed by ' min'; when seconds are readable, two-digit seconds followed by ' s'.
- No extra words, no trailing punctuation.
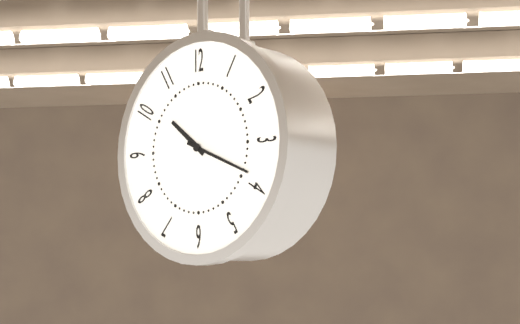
10 h 19 min
